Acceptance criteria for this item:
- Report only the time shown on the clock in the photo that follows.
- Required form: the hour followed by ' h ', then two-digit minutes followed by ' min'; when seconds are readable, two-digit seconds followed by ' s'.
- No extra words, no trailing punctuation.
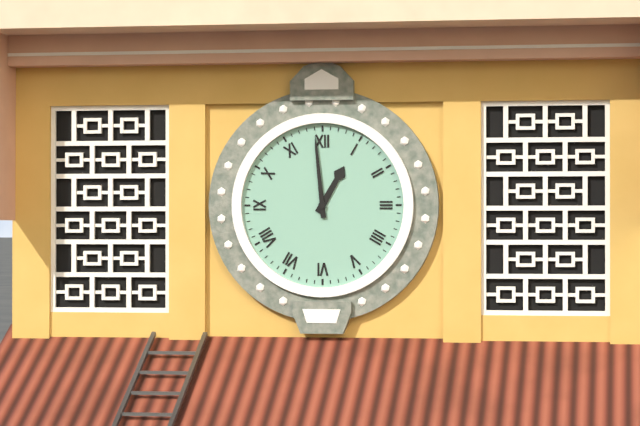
12 h 59 min
